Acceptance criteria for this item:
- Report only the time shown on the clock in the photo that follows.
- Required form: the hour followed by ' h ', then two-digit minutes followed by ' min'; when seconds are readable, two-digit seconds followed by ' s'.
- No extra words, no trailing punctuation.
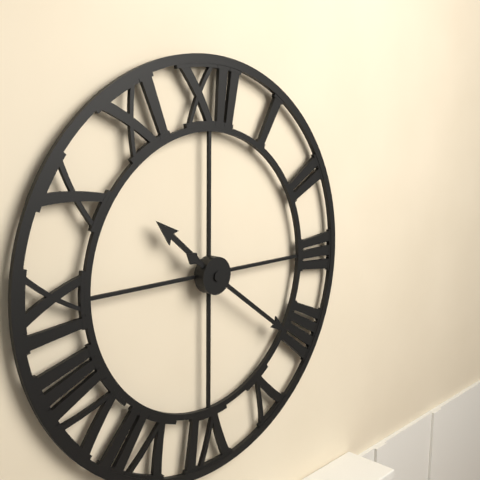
10 h 21 min
